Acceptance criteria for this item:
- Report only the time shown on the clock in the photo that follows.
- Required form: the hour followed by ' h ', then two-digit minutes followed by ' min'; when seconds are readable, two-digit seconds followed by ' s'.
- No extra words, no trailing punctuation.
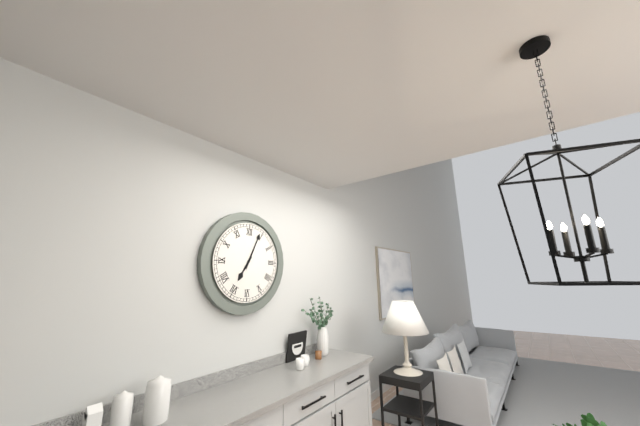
7 h 04 min
